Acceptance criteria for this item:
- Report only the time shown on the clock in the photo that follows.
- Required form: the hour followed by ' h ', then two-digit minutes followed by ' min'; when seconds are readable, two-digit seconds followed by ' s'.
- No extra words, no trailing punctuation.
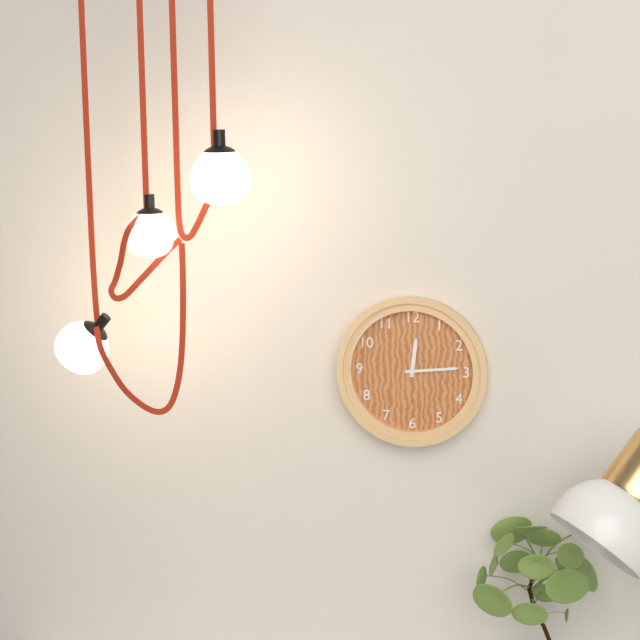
12 h 14 min
